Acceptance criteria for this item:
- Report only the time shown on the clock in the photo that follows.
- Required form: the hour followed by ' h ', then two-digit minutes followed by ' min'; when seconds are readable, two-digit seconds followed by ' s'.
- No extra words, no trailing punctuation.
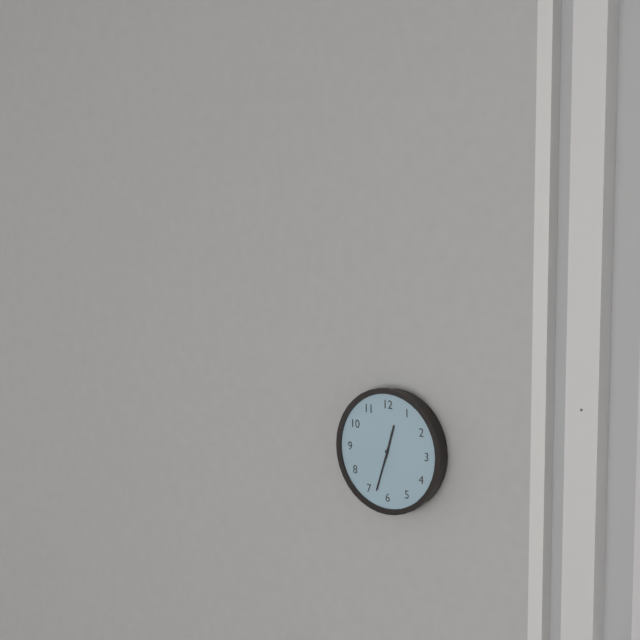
12 h 33 min
